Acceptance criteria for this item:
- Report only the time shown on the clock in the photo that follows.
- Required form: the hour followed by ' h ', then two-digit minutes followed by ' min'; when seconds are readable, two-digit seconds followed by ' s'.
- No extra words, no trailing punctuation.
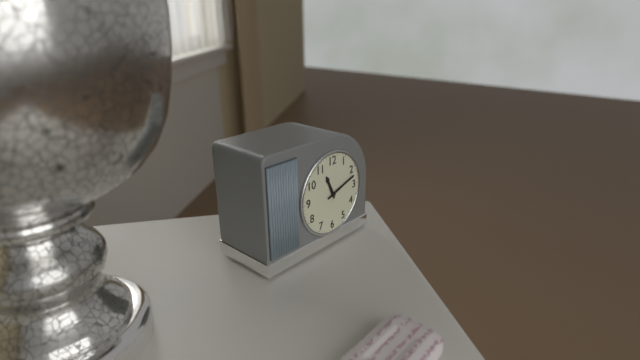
11 h 12 min
